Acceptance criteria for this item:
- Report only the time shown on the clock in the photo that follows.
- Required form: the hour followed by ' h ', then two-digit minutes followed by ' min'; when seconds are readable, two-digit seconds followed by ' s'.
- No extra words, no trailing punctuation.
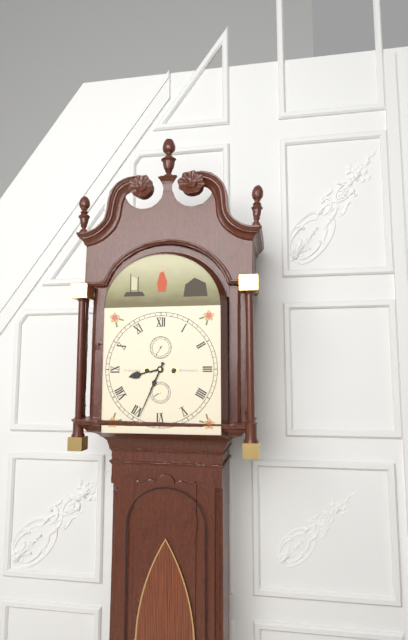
8 h 34 min
